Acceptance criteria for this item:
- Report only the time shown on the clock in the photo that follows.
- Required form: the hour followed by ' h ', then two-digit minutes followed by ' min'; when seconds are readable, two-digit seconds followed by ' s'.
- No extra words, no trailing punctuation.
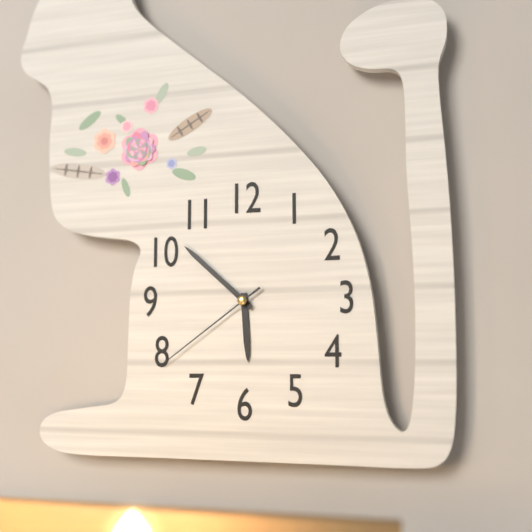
5 h 52 min 39 s
